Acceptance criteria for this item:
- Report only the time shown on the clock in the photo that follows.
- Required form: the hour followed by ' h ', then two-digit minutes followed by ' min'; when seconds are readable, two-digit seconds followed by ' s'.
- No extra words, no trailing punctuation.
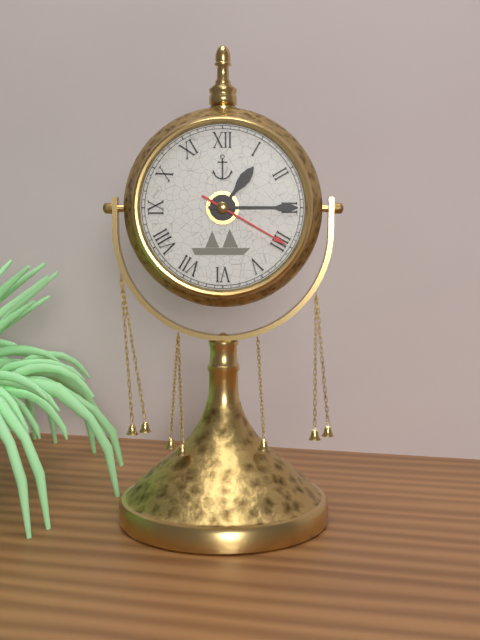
1 h 15 min 20 s
